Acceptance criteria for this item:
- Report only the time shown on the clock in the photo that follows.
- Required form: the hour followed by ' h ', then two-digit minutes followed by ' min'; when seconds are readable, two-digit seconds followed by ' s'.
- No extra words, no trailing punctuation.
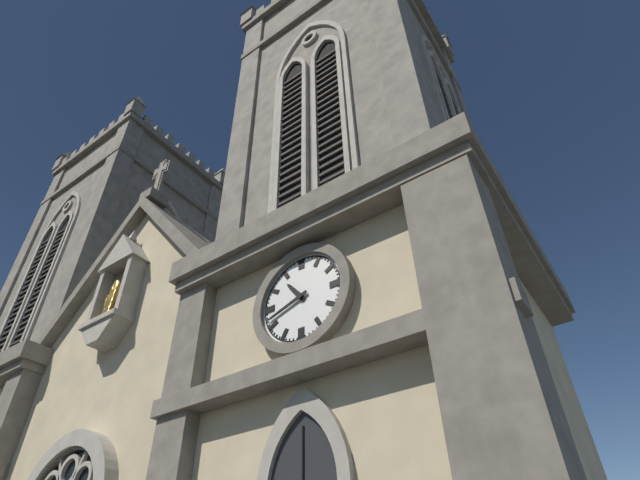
10 h 42 min
